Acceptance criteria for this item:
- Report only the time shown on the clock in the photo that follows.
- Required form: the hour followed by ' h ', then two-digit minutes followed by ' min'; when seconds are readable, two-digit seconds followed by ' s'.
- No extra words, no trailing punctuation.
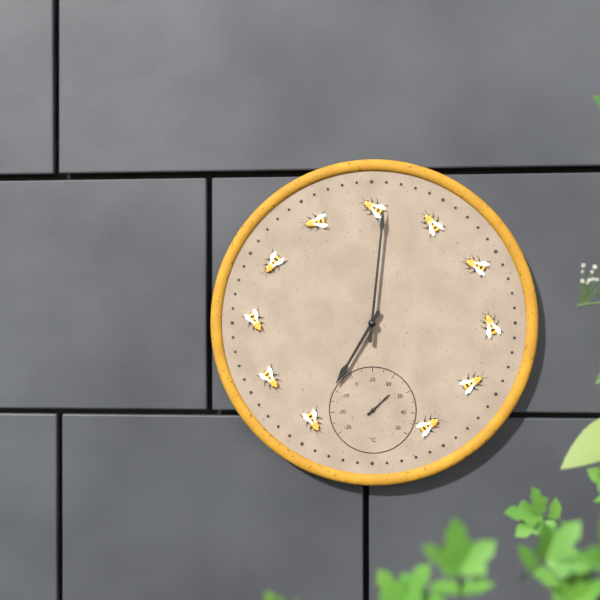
7 h 01 min
